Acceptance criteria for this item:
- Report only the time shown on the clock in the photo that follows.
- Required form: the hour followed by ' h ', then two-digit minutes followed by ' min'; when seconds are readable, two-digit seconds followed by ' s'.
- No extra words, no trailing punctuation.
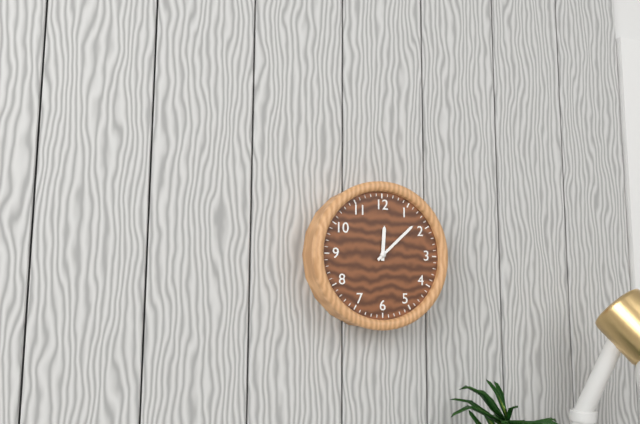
12 h 08 min
